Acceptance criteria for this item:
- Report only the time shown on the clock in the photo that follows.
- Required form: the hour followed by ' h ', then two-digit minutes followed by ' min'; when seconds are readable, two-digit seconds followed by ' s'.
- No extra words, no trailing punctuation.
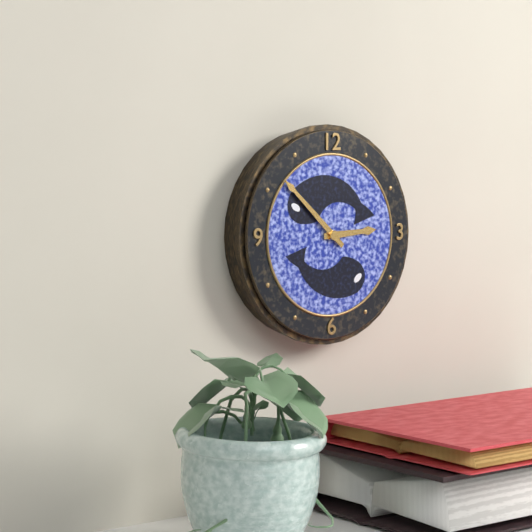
2 h 52 min
